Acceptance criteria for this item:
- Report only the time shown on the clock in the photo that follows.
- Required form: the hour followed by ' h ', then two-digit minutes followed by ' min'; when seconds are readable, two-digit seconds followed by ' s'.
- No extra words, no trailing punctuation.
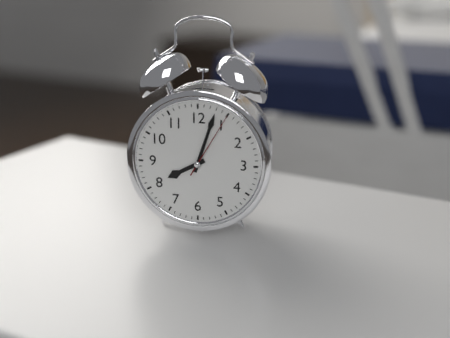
8 h 03 min 05 s
